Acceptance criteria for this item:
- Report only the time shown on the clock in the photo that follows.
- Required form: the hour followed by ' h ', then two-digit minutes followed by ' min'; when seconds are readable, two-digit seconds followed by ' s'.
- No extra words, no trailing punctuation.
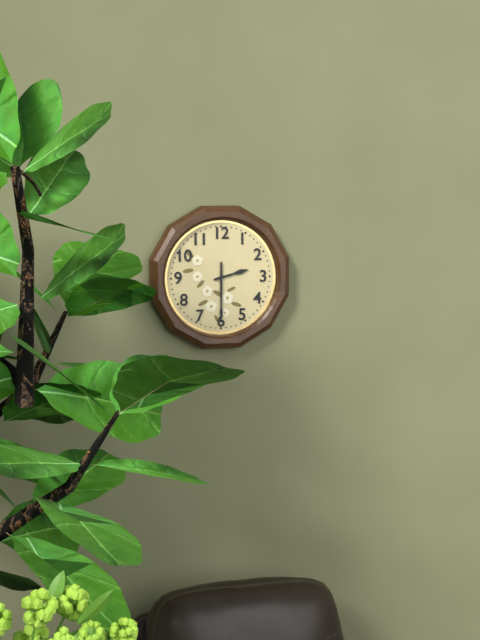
2 h 30 min
